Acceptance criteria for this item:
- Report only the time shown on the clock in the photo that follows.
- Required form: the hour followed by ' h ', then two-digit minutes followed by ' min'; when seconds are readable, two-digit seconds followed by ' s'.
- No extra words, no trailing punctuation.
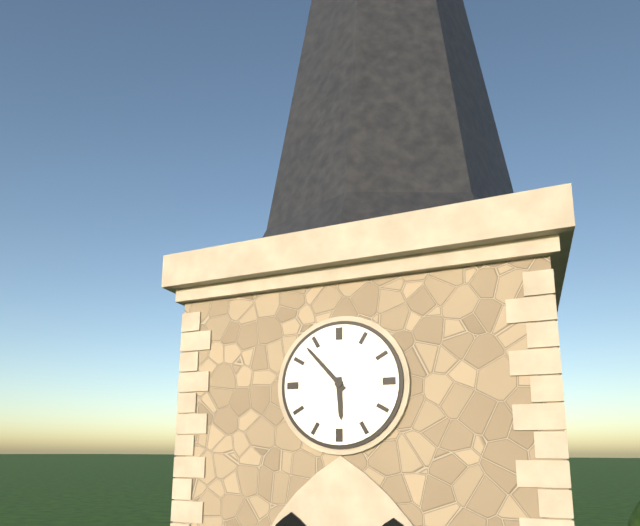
5 h 53 min
